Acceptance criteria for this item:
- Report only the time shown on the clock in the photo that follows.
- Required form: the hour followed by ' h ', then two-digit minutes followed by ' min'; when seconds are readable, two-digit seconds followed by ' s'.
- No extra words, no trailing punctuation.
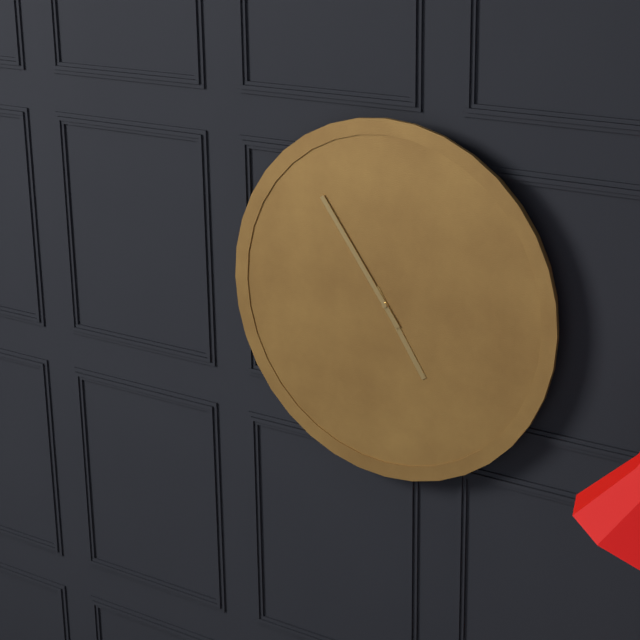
4 h 54 min
